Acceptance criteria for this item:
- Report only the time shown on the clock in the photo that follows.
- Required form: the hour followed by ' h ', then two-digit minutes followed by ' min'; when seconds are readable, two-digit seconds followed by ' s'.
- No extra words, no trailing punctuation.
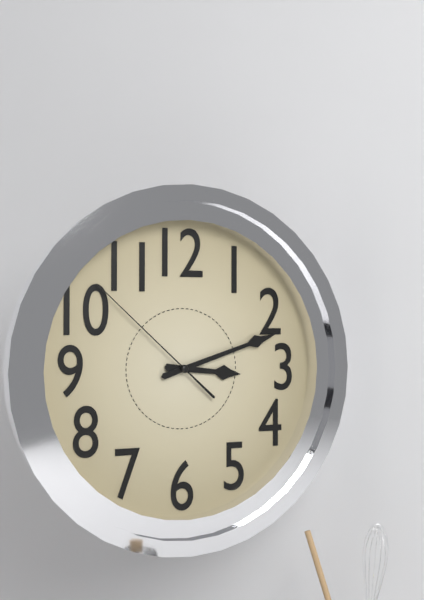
3 h 12 min 52 s
